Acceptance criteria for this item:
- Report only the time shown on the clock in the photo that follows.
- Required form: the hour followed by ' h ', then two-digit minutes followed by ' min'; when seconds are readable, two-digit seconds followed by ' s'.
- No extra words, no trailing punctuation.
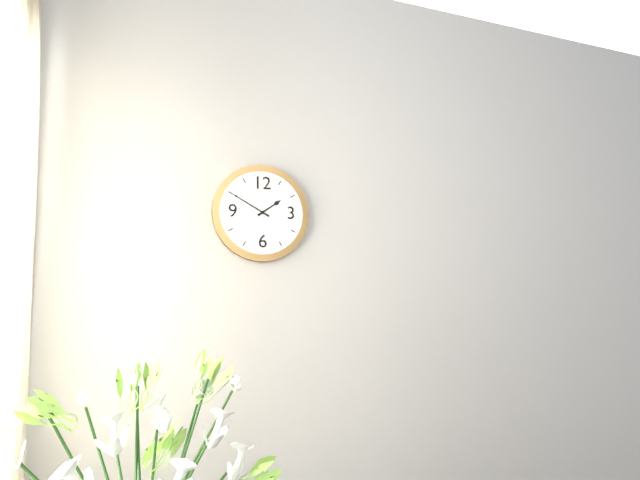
1 h 50 min
